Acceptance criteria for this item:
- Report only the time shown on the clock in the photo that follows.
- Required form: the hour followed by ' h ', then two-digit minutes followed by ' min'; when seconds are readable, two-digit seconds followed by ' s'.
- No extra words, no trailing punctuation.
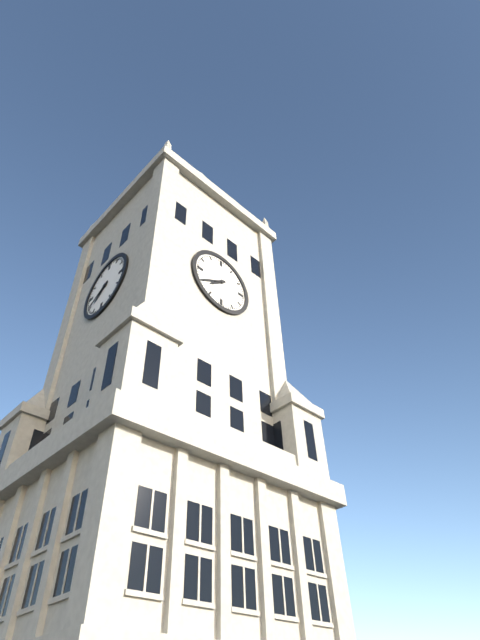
7 h 40 min
